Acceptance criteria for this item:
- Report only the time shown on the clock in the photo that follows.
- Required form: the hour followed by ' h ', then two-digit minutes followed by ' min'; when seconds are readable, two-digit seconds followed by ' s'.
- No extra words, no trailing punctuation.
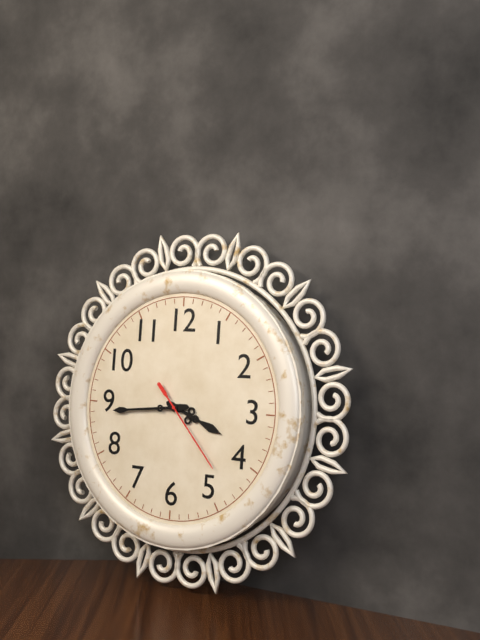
3 h 44 min 23 s
